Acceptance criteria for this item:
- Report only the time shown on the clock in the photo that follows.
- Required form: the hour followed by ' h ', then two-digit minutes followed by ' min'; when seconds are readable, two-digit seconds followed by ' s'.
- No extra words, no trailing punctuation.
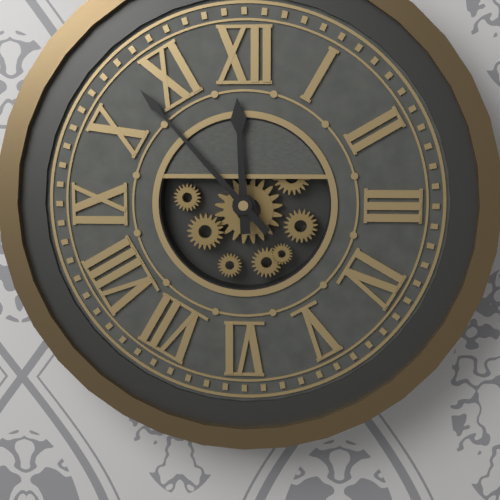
11 h 53 min
